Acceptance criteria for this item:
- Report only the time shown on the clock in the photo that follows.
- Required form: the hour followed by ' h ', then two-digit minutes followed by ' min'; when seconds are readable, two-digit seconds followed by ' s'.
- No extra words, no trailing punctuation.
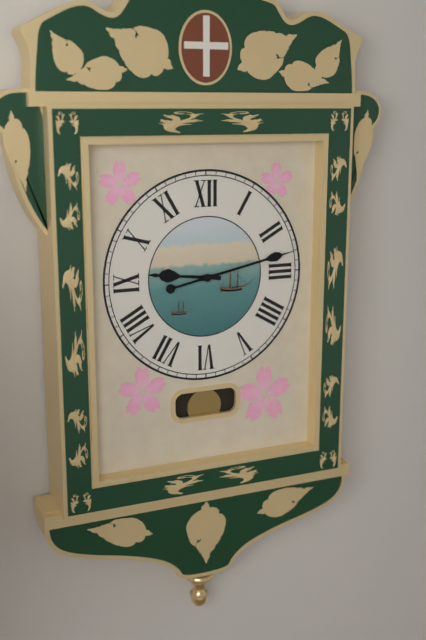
9 h 13 min
